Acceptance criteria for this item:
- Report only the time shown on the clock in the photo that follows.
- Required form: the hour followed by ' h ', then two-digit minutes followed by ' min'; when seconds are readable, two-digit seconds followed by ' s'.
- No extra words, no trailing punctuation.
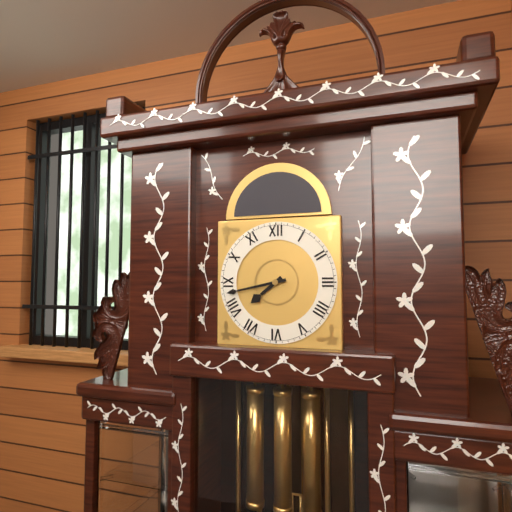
7 h 43 min
